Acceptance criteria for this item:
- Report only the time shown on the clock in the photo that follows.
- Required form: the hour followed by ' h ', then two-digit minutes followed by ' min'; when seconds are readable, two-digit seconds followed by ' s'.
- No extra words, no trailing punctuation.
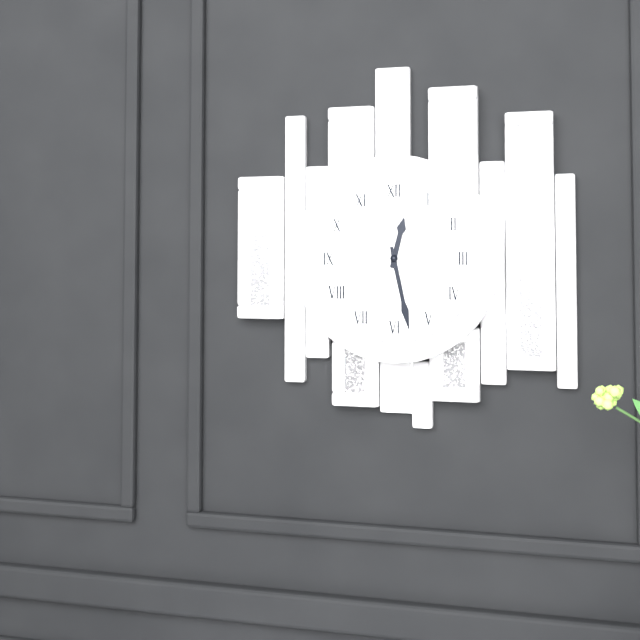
12 h 28 min
